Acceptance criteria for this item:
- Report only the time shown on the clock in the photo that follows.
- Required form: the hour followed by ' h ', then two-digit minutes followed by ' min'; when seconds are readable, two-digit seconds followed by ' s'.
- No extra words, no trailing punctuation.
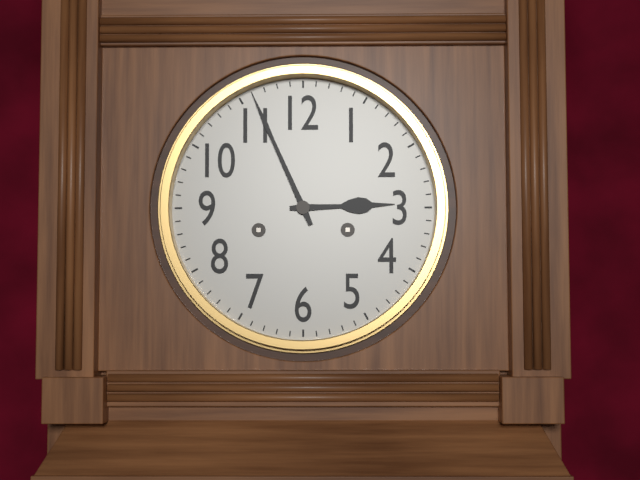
2 h 56 min
